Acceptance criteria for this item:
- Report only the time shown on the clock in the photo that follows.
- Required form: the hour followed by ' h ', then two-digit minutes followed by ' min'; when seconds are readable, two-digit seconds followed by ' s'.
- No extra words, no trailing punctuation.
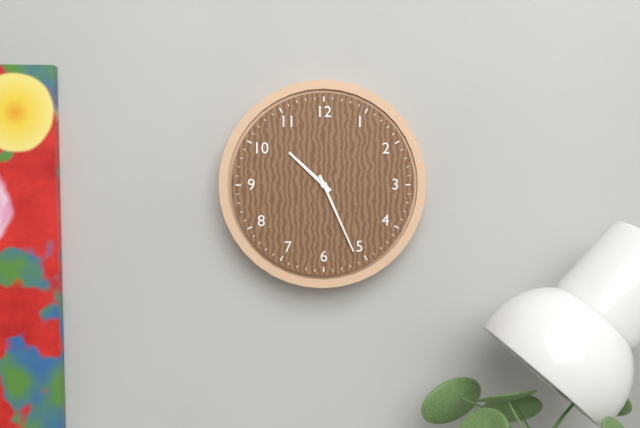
10 h 26 min
